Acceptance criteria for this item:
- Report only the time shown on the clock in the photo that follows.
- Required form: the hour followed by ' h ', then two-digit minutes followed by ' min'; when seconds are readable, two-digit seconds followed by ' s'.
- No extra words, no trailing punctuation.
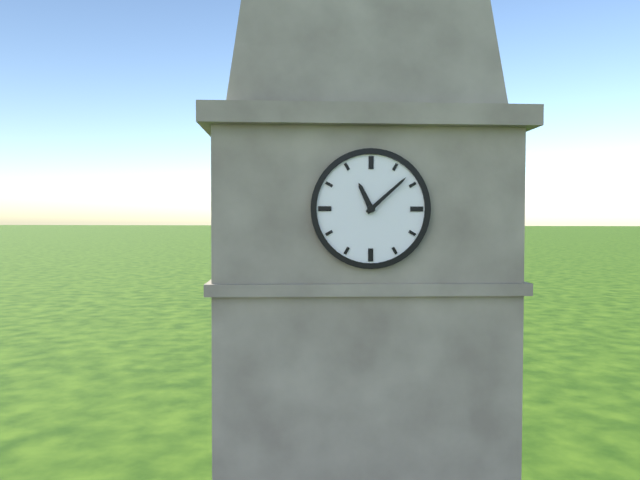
11 h 08 min
